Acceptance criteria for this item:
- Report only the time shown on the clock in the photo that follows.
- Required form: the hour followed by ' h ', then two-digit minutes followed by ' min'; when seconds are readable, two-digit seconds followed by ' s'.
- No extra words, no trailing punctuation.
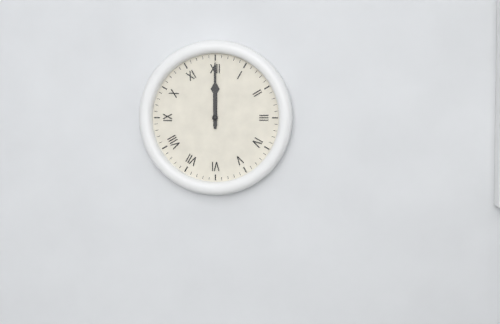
12 h 00 min
